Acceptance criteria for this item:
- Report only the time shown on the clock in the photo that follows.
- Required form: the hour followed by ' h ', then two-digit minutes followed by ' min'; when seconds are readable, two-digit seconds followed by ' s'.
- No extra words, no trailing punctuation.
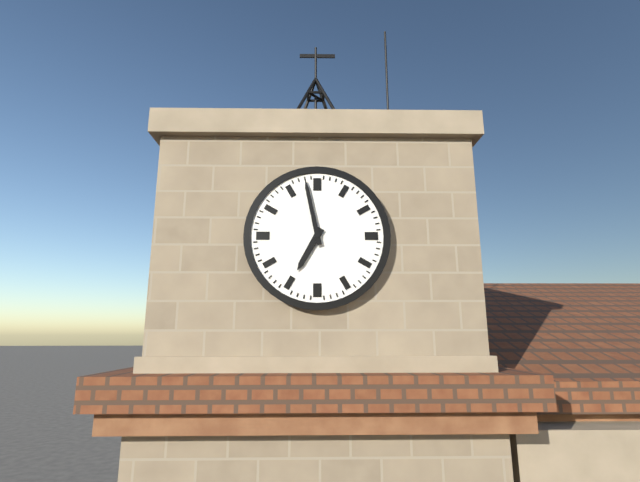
6 h 58 min
